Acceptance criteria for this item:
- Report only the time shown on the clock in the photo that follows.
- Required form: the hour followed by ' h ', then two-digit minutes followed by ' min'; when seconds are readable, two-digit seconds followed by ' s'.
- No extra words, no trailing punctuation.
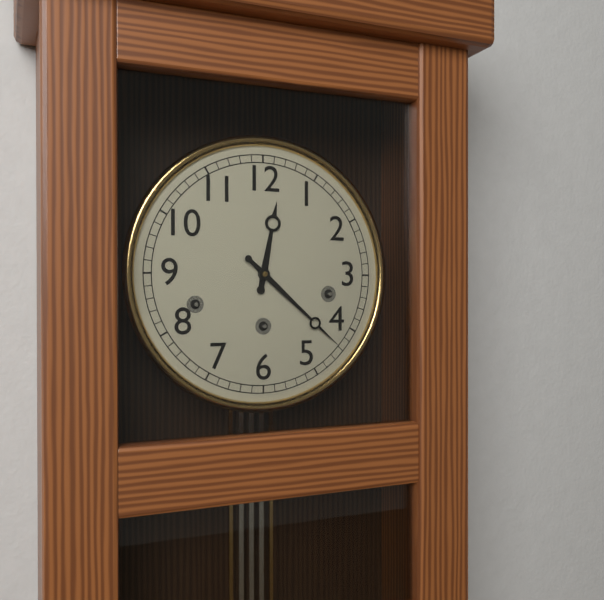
12 h 22 min
